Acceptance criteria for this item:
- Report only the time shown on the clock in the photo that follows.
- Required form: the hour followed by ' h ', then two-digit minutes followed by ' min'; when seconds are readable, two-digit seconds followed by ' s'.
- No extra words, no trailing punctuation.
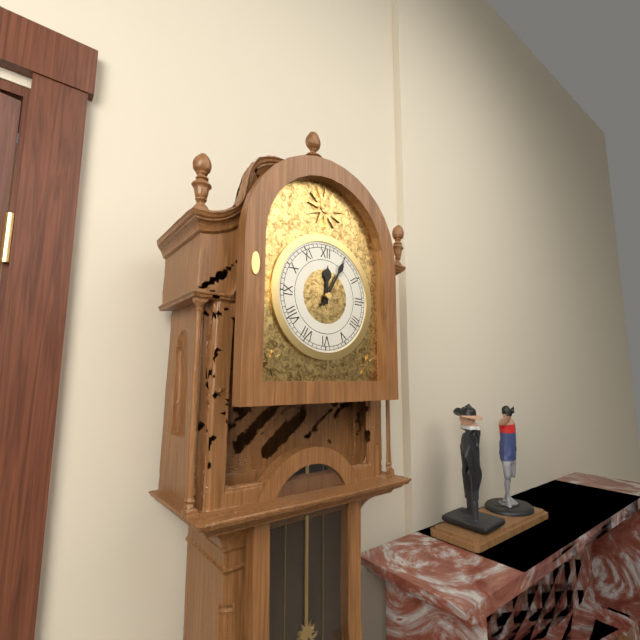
12 h 05 min
